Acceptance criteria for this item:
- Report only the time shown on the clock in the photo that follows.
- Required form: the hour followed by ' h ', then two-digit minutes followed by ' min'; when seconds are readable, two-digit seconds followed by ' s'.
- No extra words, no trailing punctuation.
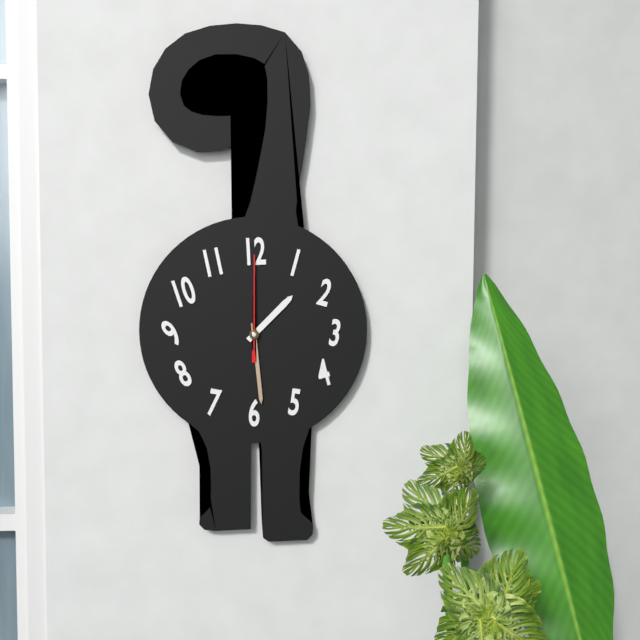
1 h 29 min 00 s
